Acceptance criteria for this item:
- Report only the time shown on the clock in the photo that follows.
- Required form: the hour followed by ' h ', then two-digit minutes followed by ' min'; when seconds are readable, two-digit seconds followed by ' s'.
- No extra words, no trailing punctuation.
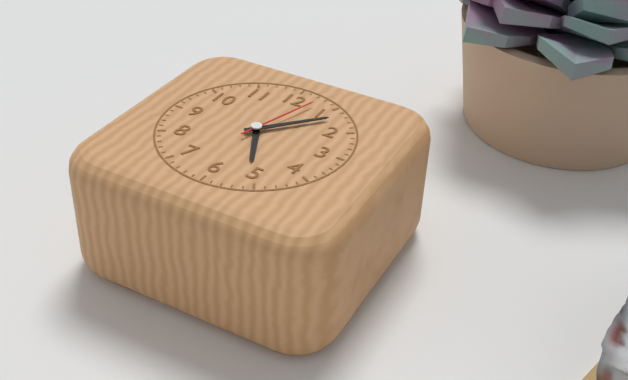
5 h 07 min 03 s
